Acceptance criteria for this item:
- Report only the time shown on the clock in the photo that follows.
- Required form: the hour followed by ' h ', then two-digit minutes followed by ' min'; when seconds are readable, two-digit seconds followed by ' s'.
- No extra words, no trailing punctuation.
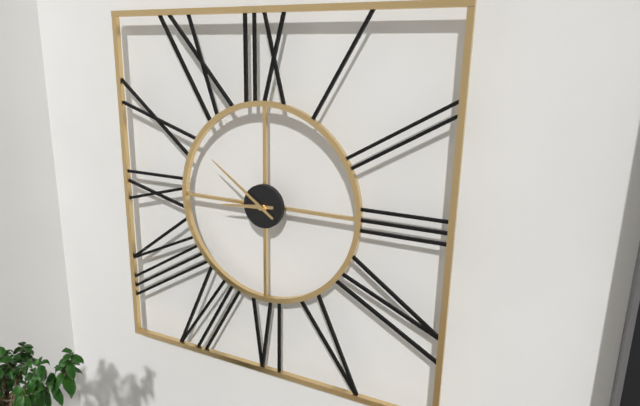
8 h 51 min
